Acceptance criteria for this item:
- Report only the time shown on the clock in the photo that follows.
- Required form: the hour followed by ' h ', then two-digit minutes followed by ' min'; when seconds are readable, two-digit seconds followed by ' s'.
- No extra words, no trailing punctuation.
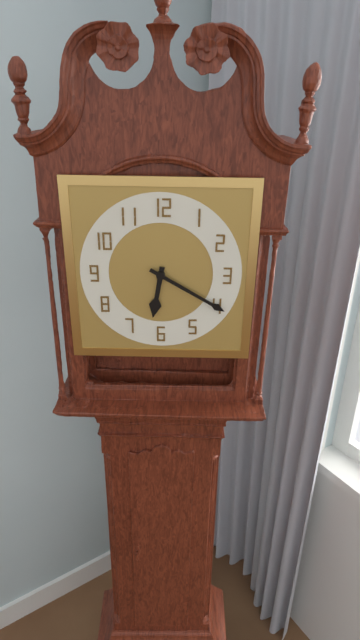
6 h 20 min
